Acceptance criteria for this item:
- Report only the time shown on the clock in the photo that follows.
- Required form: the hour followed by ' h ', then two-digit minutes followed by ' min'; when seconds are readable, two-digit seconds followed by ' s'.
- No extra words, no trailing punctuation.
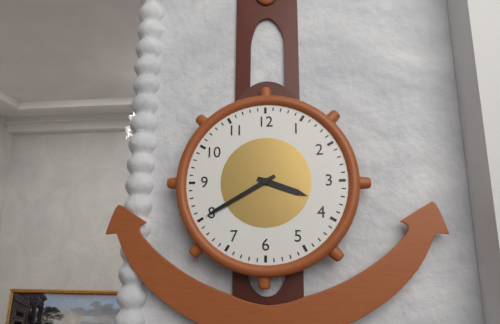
3 h 40 min
